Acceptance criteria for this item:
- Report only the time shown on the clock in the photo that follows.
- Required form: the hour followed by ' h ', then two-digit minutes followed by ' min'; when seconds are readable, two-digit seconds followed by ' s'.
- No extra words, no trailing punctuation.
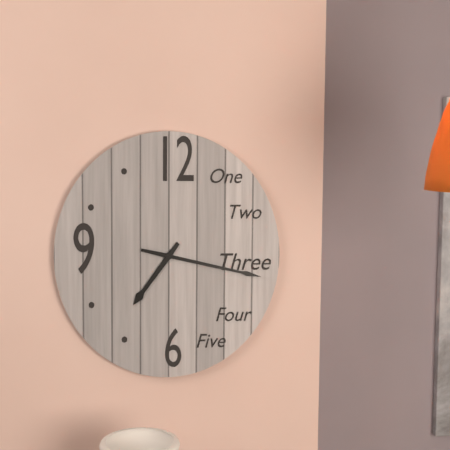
7 h 17 min
